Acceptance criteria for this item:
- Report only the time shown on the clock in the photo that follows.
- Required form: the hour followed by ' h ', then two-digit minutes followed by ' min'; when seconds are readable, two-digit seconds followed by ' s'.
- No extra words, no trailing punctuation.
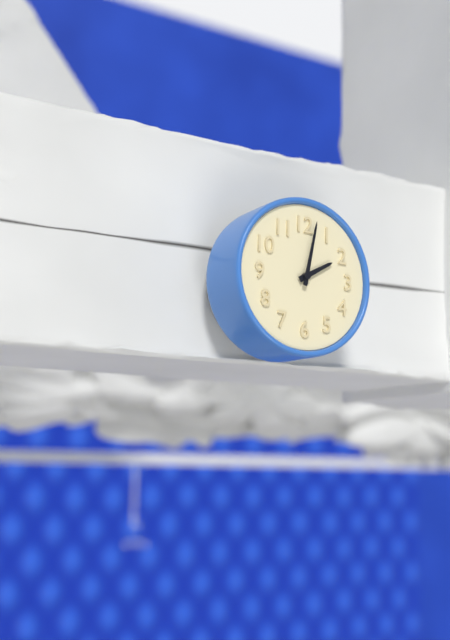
2 h 02 min
